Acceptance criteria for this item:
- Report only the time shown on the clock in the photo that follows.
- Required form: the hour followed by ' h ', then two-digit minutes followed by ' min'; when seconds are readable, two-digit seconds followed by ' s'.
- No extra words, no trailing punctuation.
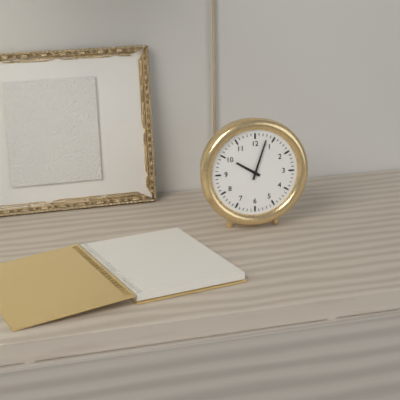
10 h 03 min
